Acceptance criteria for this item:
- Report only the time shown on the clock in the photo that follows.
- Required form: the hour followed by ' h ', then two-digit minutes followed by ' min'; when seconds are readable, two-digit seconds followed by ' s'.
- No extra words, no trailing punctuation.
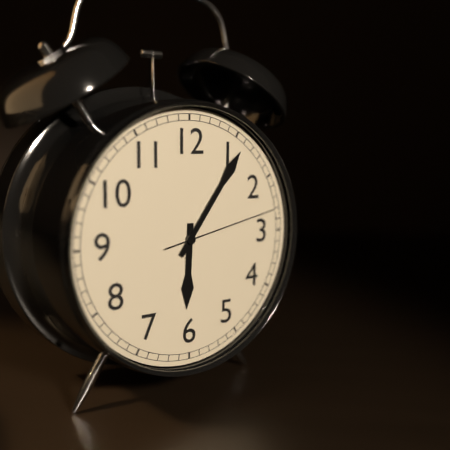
6 h 06 min 13 s
